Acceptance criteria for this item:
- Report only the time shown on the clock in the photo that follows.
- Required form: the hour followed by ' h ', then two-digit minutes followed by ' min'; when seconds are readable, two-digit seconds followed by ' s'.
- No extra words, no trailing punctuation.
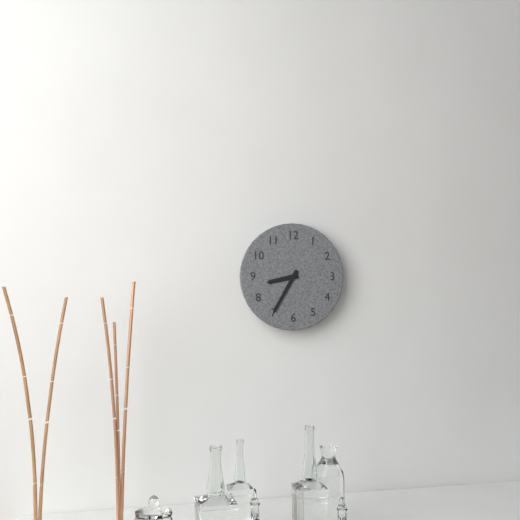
8 h 35 min
